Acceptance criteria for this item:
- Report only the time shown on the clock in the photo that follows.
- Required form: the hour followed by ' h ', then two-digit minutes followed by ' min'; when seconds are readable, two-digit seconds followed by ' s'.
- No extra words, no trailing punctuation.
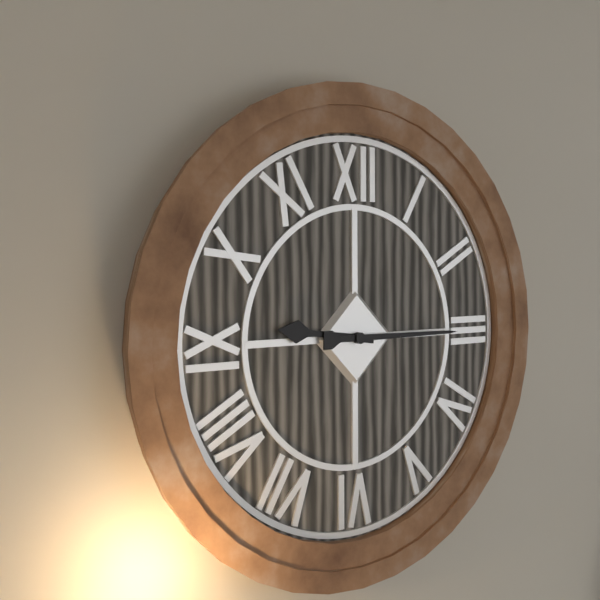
9 h 15 min
